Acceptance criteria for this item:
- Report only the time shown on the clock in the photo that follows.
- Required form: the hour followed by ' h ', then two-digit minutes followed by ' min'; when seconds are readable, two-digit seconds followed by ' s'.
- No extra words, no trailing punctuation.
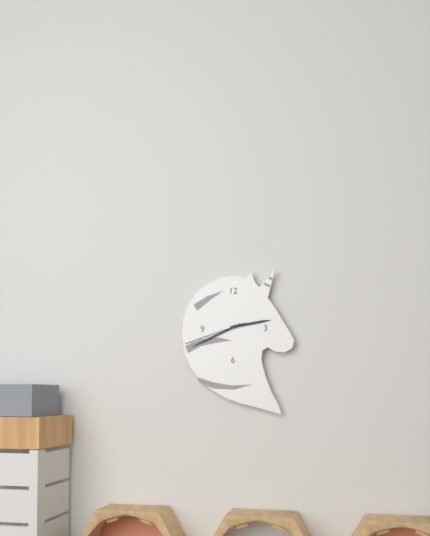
2 h 41 min 42 s
